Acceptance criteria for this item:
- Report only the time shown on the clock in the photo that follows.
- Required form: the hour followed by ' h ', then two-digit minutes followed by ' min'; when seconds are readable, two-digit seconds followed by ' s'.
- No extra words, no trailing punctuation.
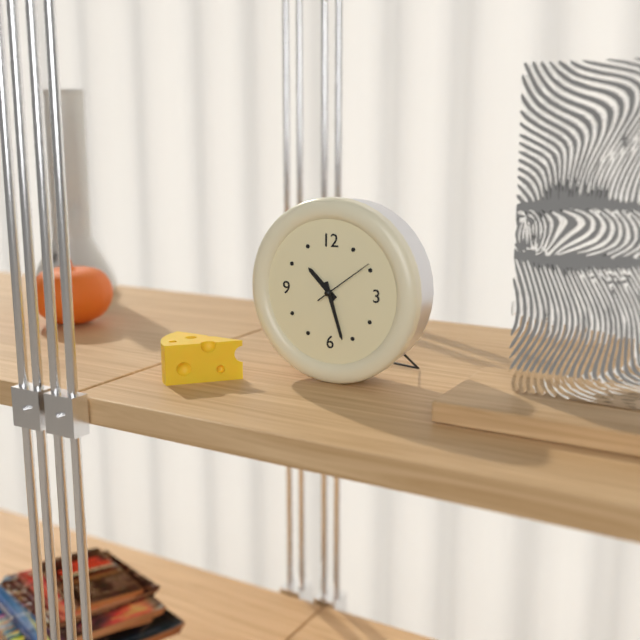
10 h 27 min 09 s
